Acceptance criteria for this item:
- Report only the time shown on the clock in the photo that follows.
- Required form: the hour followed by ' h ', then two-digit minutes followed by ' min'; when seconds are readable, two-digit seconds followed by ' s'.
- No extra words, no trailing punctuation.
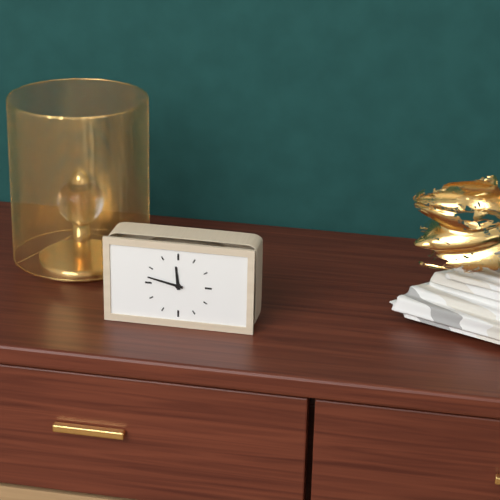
11 h 47 min
